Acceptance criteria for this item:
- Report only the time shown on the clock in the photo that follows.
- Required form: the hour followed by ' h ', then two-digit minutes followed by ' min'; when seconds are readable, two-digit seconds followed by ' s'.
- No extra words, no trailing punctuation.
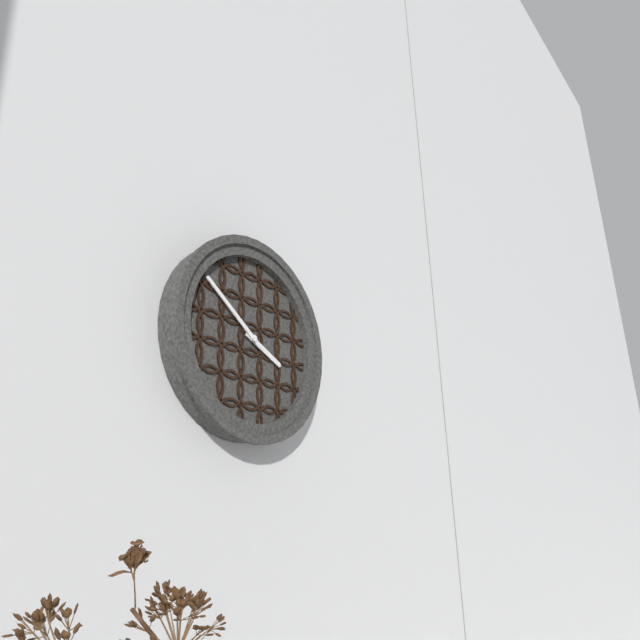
3 h 51 min
